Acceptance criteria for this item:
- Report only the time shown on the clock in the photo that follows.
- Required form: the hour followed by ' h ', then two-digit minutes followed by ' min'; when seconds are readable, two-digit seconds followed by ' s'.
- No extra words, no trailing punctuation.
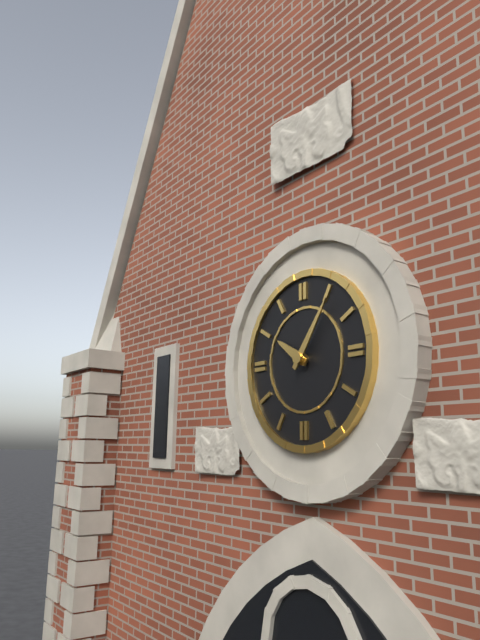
10 h 06 min
